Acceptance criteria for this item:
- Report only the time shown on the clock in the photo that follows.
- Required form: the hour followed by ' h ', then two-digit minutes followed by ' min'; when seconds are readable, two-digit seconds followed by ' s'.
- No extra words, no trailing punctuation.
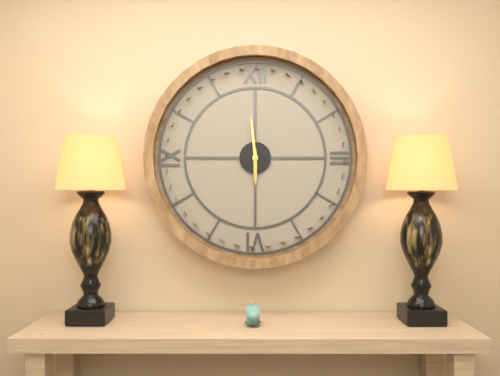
5 h 59 min
